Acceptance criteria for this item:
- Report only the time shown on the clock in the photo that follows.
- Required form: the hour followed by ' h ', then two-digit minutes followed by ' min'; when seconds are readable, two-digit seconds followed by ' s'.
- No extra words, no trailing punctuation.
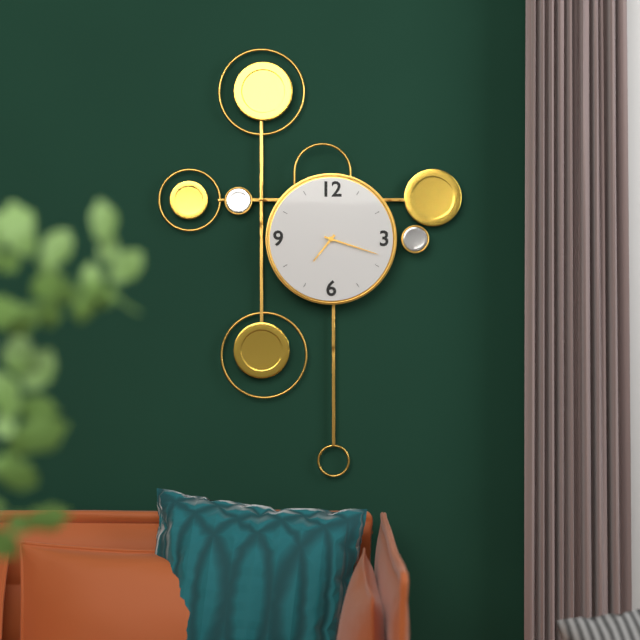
7 h 18 min
